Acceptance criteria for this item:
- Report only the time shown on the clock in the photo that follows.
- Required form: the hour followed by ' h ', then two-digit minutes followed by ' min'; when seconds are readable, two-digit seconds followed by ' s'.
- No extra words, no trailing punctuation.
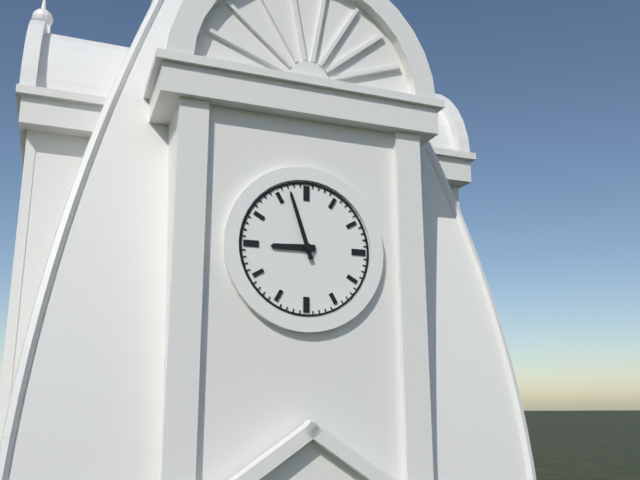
8 h 57 min
